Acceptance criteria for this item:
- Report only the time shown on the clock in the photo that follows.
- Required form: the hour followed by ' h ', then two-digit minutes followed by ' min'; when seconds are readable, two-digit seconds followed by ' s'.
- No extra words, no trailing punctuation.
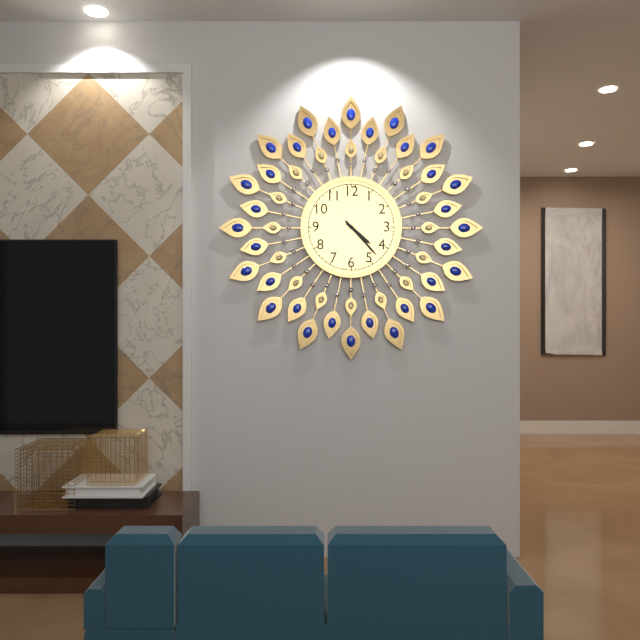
4 h 23 min
